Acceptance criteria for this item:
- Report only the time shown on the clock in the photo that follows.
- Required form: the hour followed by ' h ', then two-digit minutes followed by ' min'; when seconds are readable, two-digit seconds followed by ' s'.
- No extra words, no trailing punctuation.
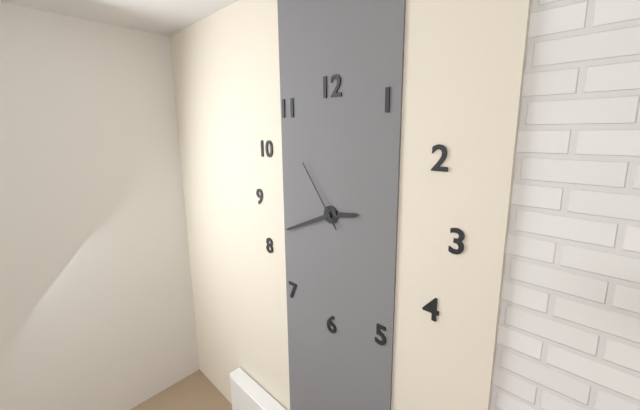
2 h 41 min 54 s
